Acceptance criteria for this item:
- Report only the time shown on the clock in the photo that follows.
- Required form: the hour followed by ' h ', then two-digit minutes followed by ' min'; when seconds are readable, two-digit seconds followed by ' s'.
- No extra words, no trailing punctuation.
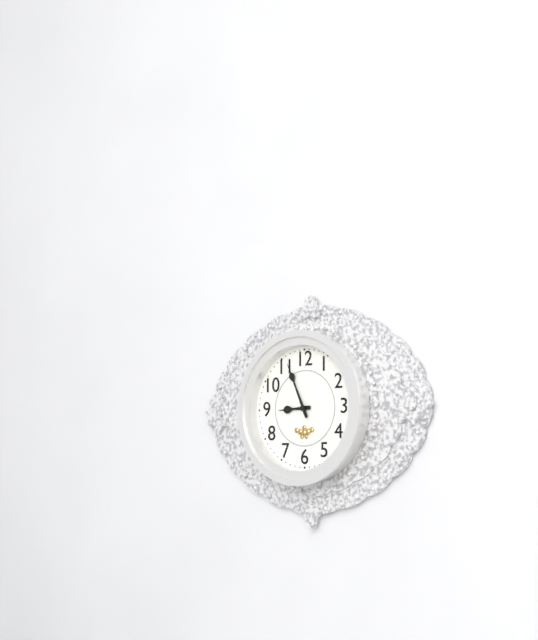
8 h 56 min
